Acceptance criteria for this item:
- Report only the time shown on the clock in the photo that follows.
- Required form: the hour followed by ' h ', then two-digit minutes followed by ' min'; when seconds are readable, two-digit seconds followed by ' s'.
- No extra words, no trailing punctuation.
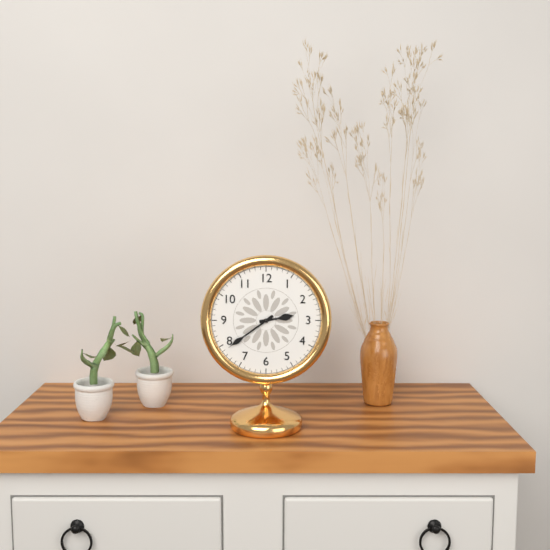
2 h 39 min
